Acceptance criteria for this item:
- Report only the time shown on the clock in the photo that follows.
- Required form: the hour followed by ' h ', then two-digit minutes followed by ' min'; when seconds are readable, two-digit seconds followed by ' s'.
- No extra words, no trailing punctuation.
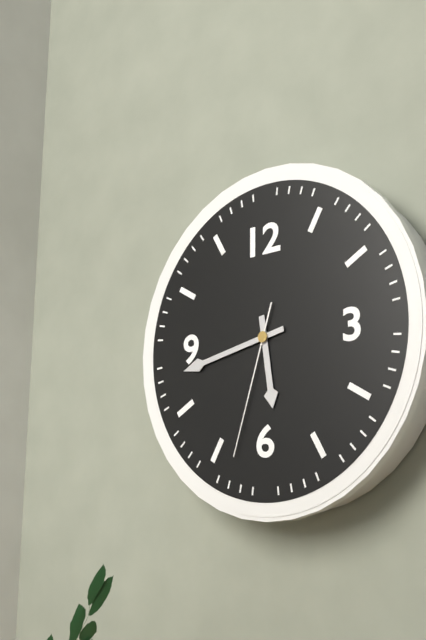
5 h 43 min 33 s
